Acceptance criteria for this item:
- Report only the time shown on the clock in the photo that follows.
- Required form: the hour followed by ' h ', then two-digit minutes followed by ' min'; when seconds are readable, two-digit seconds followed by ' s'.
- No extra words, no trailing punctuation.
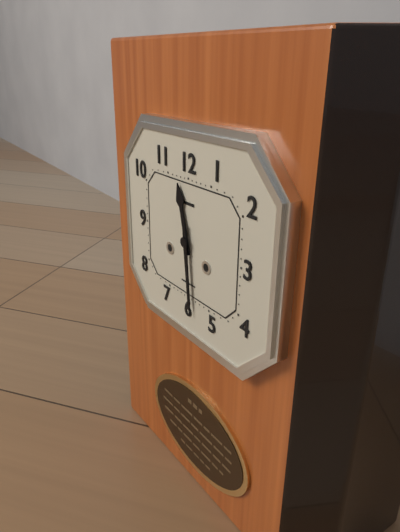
11 h 29 min
